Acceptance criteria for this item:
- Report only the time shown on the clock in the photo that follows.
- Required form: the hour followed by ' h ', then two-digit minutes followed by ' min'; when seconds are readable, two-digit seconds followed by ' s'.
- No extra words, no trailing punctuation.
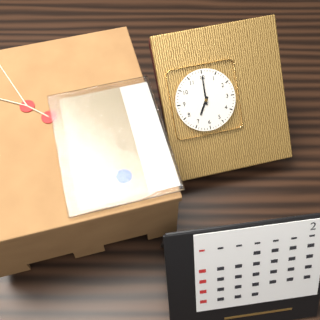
7 h 00 min
